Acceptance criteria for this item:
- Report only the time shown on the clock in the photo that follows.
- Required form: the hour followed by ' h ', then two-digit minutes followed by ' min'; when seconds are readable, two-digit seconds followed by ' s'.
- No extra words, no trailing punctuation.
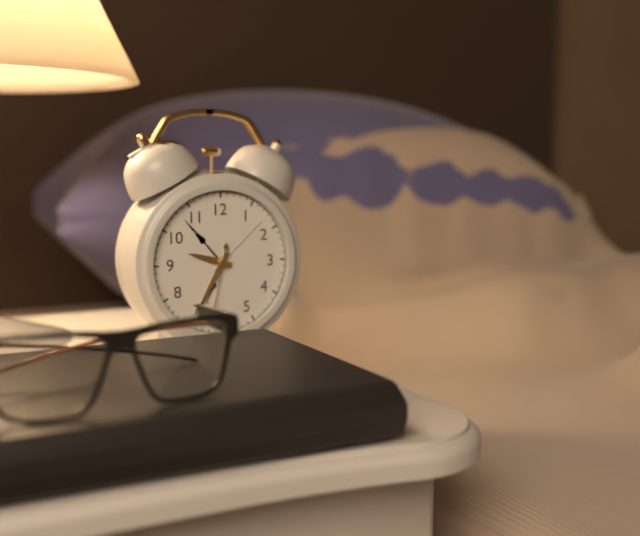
9 h 35 min 32 s
